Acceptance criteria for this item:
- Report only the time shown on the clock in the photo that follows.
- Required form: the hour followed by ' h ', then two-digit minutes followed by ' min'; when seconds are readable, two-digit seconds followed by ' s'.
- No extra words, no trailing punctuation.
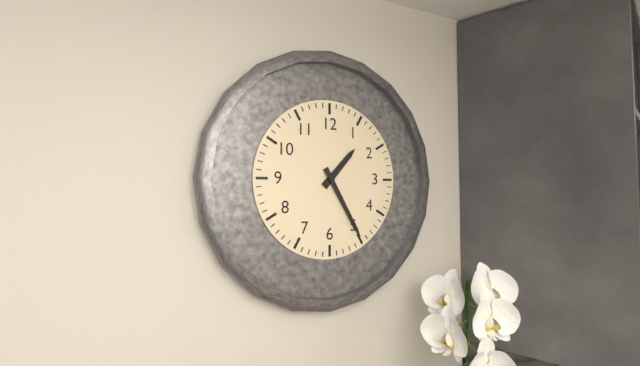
1 h 25 min
